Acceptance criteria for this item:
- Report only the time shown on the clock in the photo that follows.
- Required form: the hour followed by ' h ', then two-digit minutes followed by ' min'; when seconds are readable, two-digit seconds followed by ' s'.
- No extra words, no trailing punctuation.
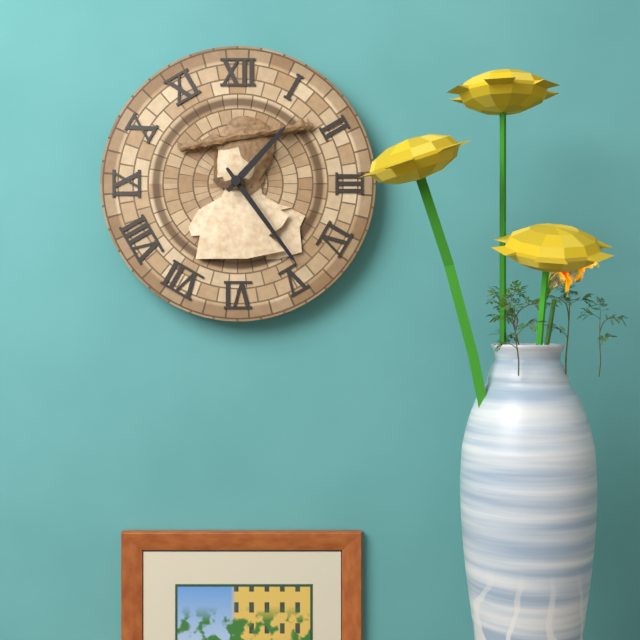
1 h 24 min
